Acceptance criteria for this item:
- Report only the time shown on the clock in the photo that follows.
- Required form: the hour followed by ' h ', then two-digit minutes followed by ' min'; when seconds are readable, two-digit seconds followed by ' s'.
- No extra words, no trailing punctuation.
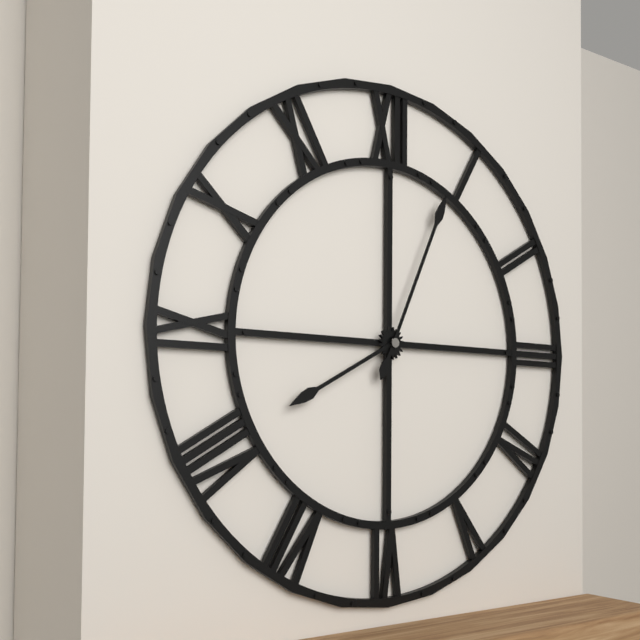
8 h 04 min
